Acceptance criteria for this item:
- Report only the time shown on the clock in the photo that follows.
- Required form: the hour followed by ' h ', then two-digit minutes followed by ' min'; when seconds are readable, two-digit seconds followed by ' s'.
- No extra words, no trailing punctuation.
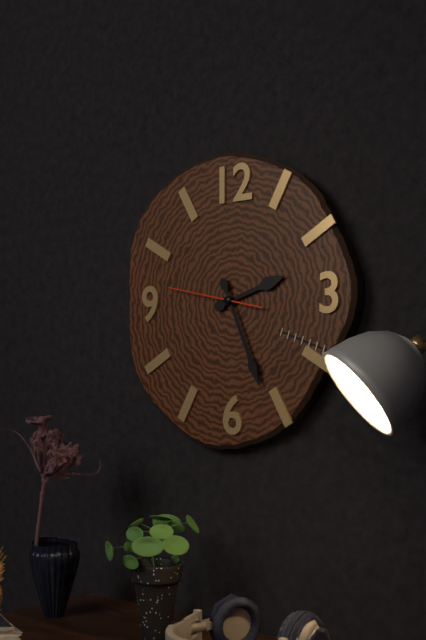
2 h 26 min 47 s
